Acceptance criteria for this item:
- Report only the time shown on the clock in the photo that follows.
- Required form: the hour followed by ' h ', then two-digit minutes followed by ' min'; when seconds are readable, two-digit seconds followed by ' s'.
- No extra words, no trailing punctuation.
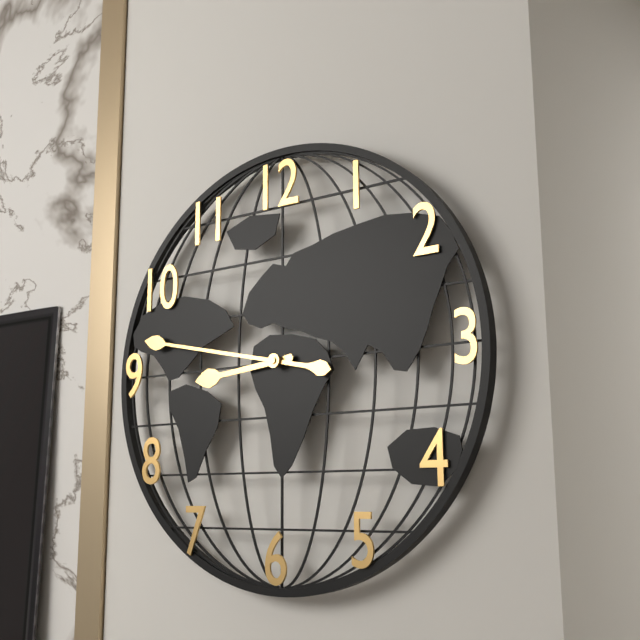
8 h 47 min
